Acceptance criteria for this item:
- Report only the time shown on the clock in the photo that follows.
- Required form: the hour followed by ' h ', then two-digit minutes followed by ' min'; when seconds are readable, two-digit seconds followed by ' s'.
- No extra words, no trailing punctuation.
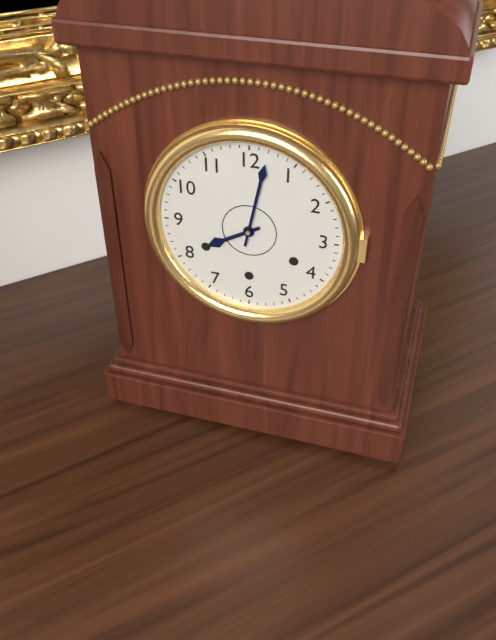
8 h 02 min
